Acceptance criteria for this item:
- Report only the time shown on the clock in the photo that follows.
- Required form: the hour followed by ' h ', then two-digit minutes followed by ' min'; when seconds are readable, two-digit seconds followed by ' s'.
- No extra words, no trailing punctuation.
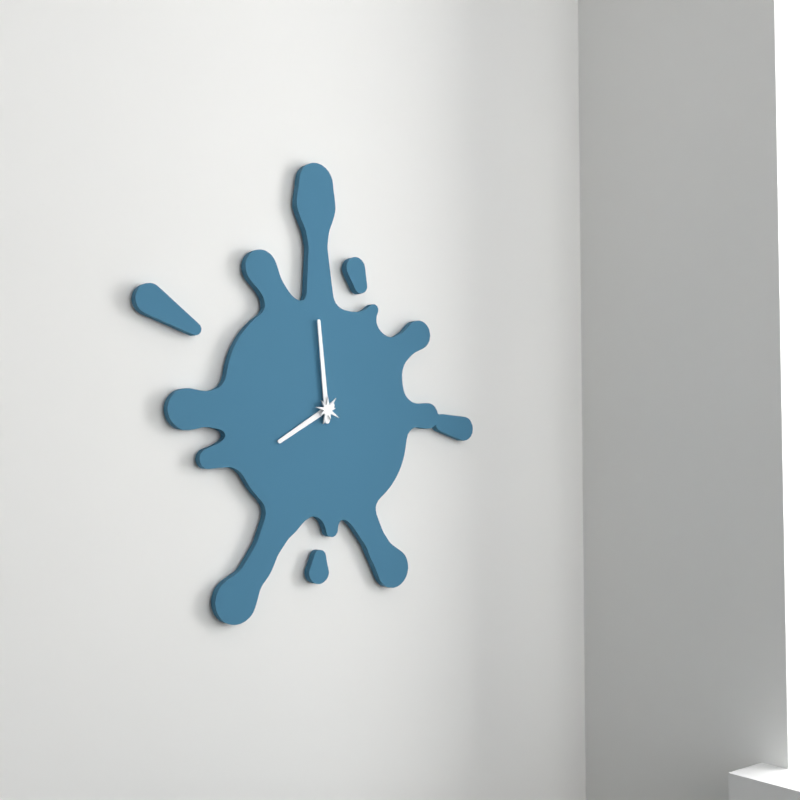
7 h 59 min
